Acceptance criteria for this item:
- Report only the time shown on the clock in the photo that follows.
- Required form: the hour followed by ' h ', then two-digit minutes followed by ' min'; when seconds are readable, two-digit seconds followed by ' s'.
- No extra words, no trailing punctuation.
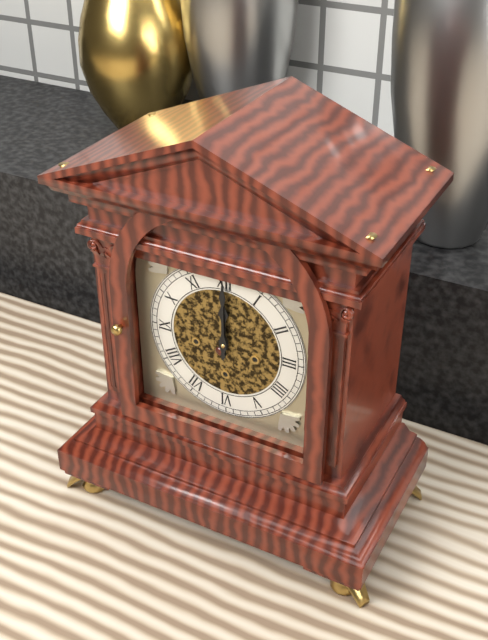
12 h 00 min
